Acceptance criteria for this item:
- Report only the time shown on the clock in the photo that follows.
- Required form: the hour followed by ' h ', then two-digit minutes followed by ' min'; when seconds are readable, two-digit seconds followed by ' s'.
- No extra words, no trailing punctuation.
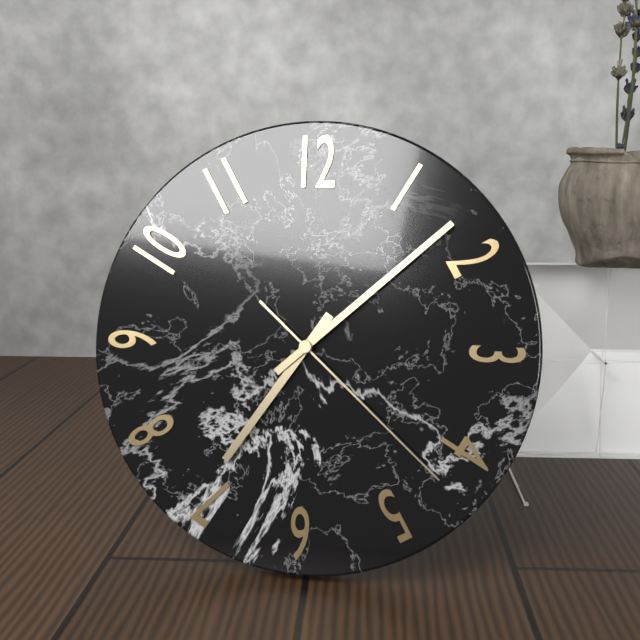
7 h 08 min 22 s
